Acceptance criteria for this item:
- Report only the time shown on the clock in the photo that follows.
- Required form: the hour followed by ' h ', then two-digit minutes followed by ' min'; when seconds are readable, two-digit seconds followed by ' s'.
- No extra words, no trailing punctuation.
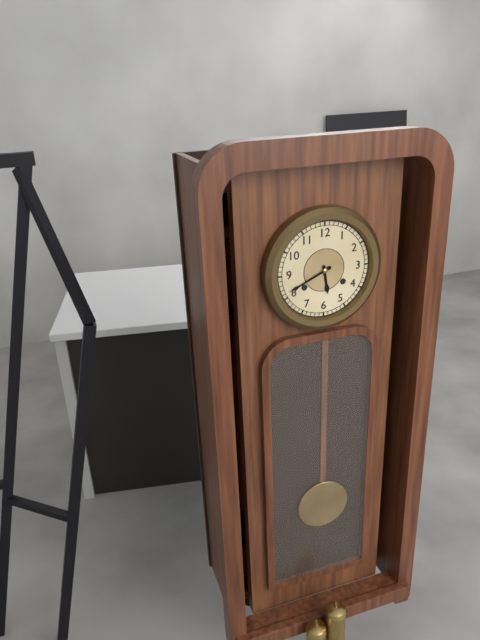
5 h 41 min
